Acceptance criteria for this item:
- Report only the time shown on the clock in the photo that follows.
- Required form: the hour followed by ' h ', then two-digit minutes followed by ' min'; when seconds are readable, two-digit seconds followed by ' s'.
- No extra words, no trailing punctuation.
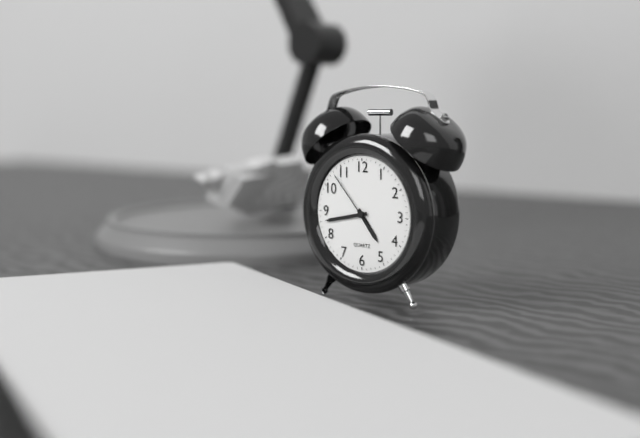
4 h 43 min 53 s
